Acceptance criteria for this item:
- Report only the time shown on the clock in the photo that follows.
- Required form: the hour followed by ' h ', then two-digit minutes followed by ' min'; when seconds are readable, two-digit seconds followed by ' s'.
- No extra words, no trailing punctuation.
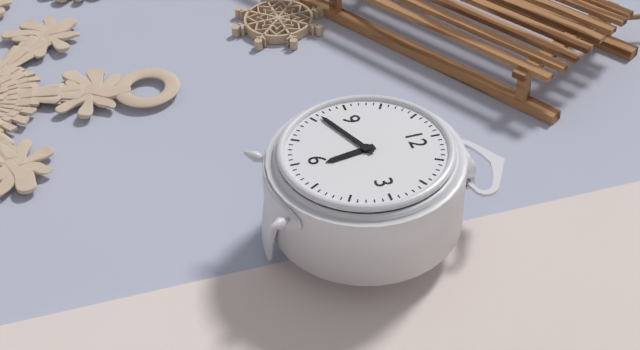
5 h 41 min
